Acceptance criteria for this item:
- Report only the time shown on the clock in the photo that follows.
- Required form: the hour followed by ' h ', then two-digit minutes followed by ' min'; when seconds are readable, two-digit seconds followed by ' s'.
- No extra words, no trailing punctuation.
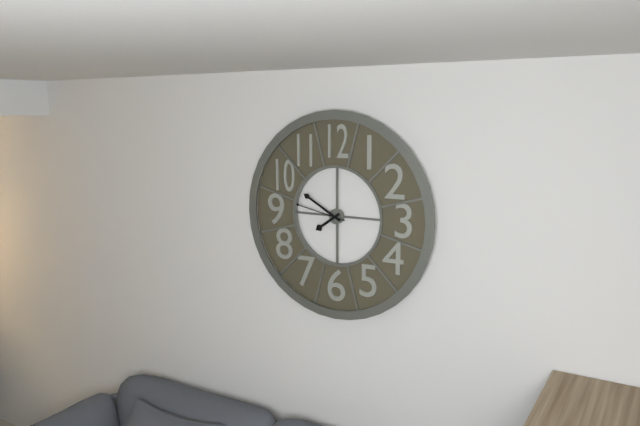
7 h 50 min 47 s
